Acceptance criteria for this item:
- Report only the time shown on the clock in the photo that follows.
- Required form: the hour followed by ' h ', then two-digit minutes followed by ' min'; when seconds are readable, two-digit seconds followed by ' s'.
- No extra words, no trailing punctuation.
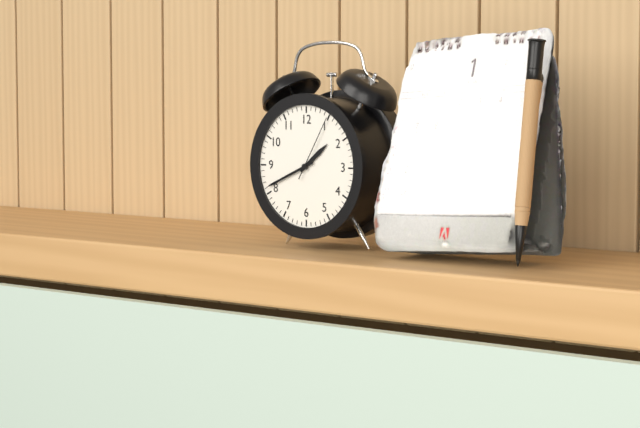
1 h 41 min 05 s
